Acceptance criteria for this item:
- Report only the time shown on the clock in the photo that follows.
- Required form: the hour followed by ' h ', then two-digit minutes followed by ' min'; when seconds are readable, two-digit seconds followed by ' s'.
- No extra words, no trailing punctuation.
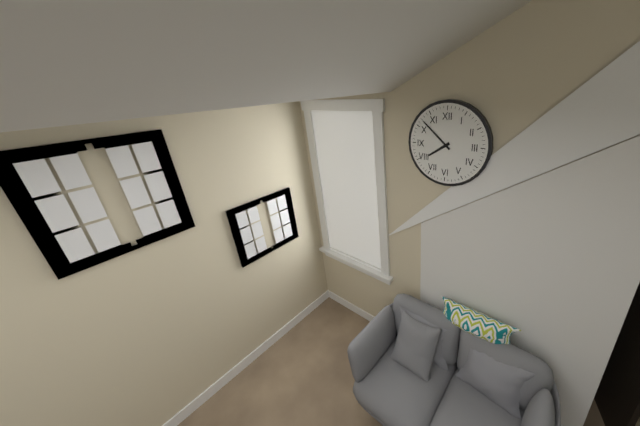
7 h 52 min
